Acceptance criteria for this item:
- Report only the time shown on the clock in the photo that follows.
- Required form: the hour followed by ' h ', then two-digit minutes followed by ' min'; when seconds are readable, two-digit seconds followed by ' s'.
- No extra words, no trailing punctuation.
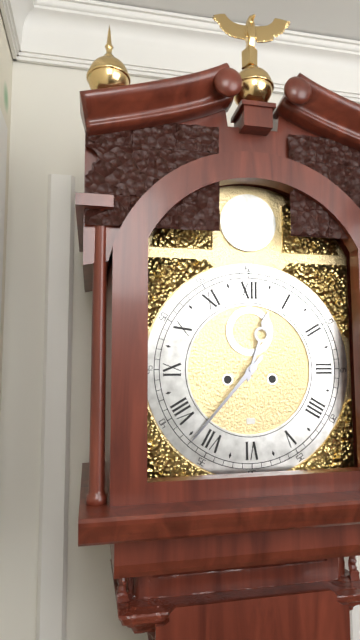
12 h 37 min
